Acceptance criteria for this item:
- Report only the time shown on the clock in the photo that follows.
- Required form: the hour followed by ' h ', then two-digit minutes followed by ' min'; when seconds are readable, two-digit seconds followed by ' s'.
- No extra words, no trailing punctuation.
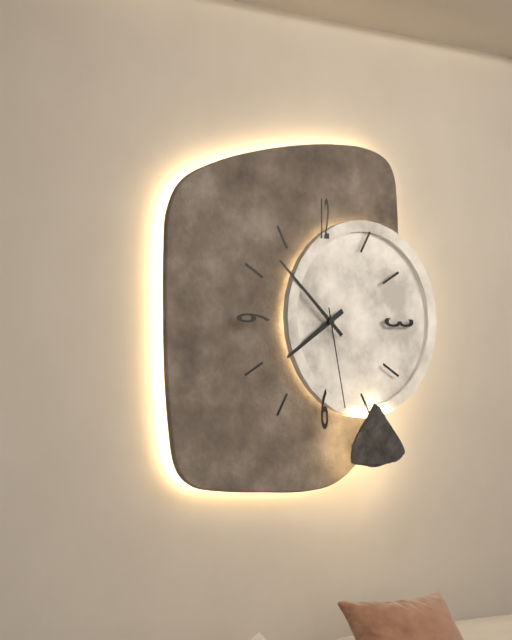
7 h 52 min 28 s
